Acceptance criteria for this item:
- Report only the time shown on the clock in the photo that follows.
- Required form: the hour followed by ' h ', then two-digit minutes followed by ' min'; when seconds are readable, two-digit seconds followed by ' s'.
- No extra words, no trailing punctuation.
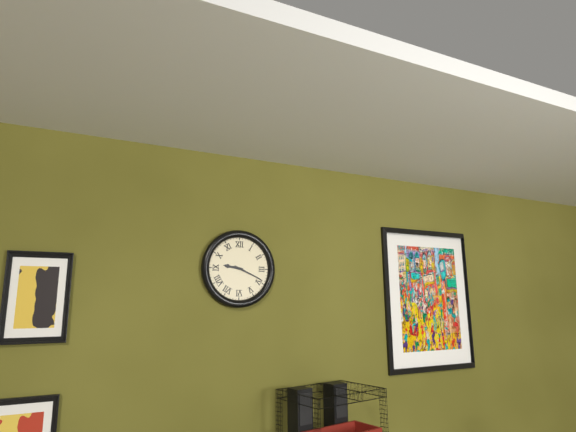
9 h 19 min
